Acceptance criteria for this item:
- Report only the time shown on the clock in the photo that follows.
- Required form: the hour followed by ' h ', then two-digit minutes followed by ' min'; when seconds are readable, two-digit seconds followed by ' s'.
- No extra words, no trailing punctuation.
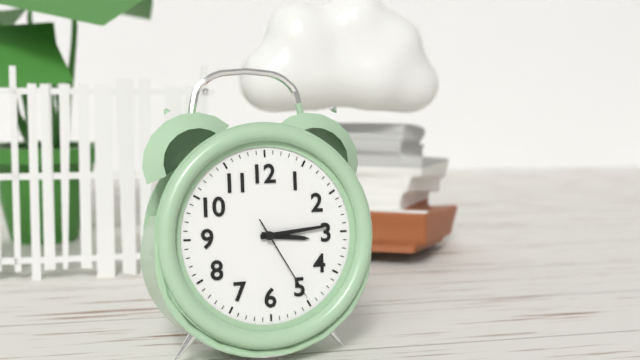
3 h 14 min 25 s
